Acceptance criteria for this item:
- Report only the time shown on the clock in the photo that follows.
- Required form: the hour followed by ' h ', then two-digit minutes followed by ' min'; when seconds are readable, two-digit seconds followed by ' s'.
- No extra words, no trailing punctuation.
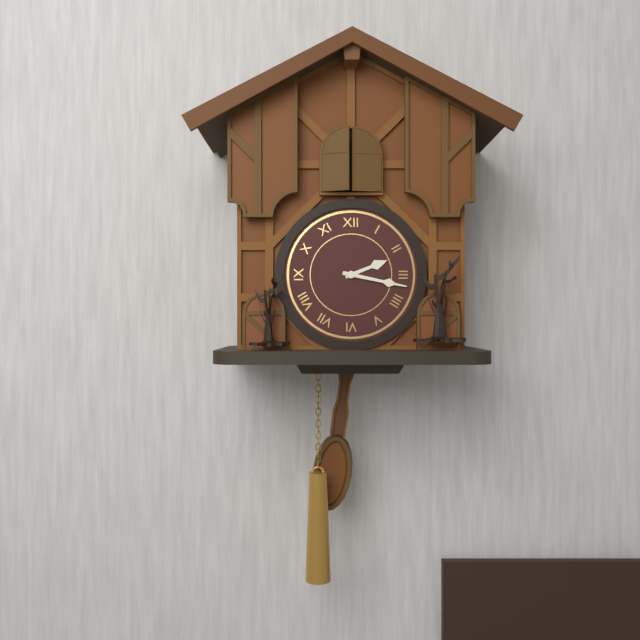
2 h 17 min
